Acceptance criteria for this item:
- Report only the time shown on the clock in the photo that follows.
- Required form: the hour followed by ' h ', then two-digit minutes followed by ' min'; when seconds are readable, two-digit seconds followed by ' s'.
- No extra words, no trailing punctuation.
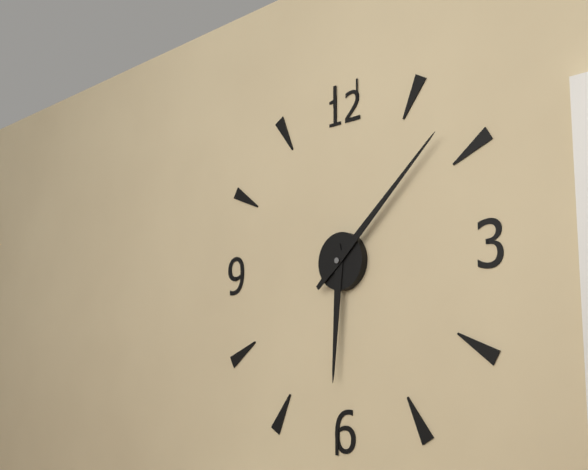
6 h 08 min
